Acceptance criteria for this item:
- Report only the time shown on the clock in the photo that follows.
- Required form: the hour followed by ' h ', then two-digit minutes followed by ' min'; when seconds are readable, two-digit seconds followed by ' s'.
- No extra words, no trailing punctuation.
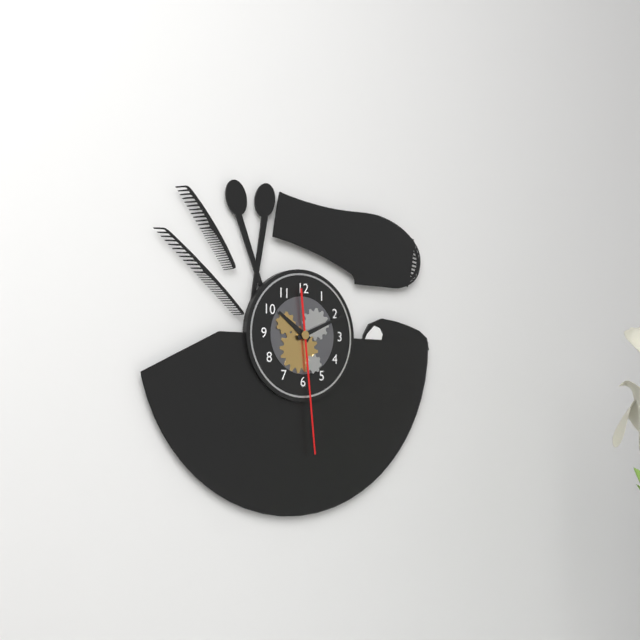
10 h 11 min 29 s
